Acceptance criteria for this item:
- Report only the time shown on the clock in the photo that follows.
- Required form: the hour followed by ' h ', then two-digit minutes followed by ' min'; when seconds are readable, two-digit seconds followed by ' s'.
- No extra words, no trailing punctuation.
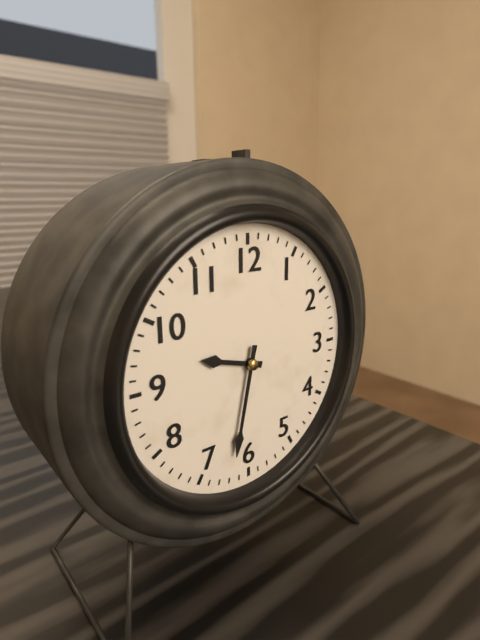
9 h 32 min
